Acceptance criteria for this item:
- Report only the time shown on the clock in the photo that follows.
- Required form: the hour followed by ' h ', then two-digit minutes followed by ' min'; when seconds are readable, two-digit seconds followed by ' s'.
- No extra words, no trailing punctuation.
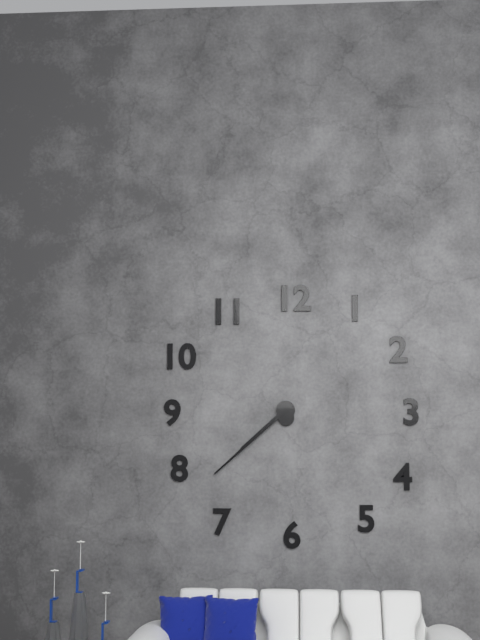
7 h 38 min
